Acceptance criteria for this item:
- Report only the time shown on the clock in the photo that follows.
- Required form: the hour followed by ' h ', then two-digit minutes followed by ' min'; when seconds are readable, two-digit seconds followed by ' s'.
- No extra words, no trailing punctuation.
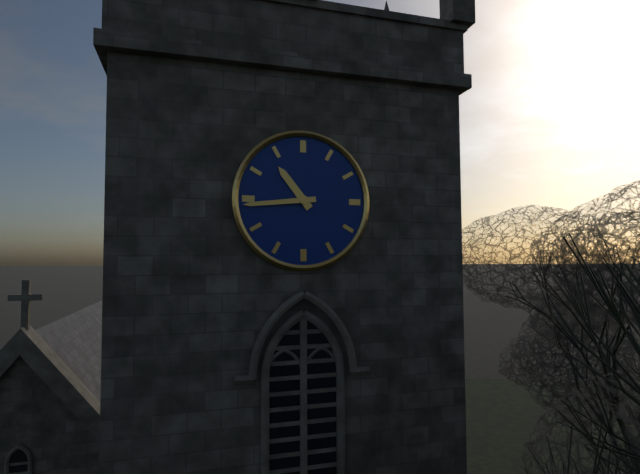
10 h 44 min
